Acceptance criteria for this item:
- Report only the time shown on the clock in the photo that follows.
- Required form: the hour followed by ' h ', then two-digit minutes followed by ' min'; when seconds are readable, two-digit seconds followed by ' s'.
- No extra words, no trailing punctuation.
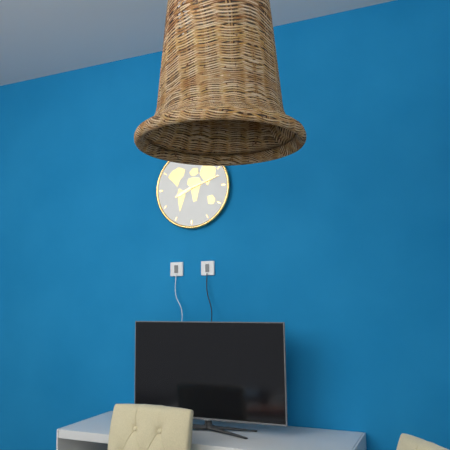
8 h 12 min
